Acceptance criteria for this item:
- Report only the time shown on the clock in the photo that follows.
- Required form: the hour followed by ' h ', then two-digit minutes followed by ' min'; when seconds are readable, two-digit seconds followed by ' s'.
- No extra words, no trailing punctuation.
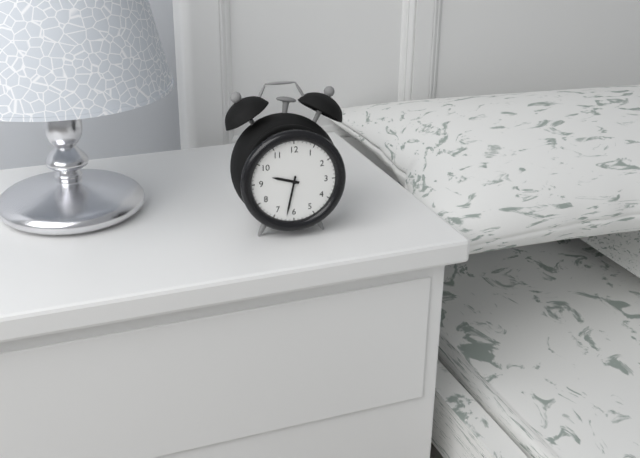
9 h 32 min
